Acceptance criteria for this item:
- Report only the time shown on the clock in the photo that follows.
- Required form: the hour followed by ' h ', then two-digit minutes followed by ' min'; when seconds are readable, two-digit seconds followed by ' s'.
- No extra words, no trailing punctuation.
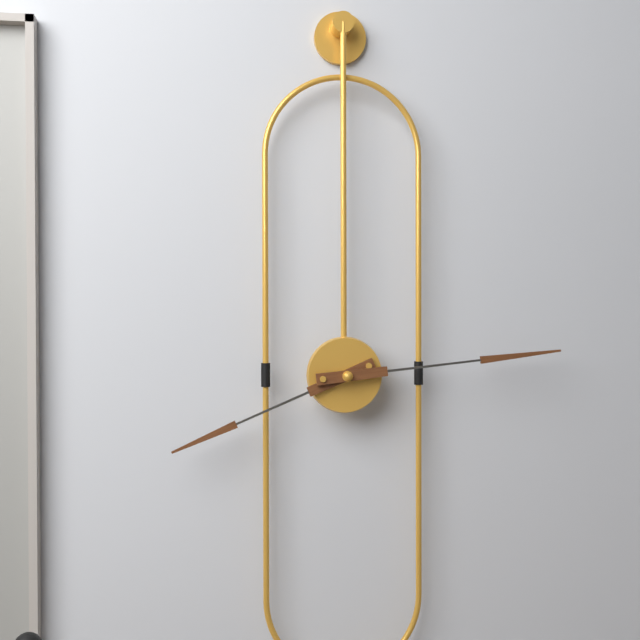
8 h 14 min
